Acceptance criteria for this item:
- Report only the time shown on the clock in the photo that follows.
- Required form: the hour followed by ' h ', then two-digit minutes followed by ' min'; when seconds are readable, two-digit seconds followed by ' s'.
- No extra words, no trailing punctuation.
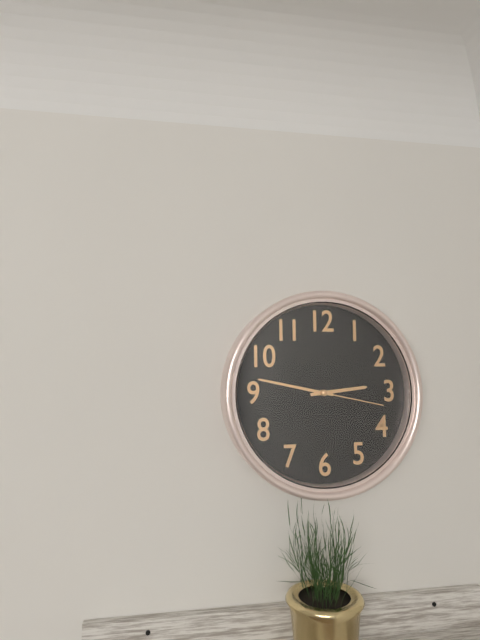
2 h 47 min 17 s
